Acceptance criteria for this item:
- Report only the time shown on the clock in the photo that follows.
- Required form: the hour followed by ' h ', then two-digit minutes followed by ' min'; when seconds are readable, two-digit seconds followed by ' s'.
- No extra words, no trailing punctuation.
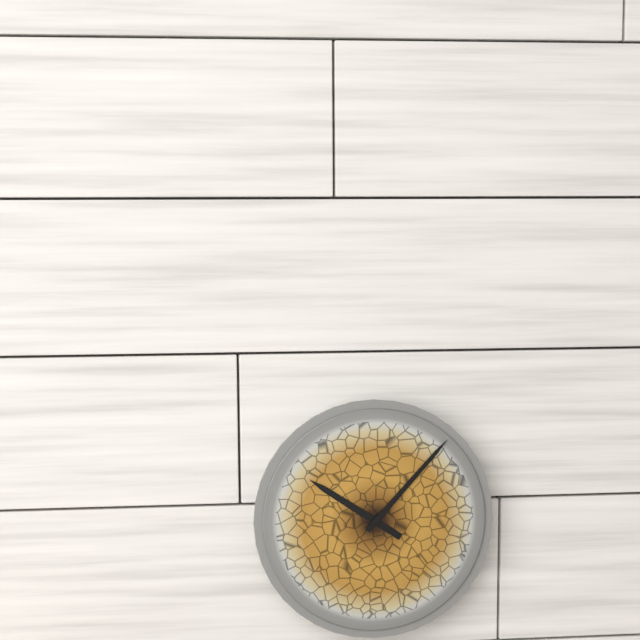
10 h 07 min
